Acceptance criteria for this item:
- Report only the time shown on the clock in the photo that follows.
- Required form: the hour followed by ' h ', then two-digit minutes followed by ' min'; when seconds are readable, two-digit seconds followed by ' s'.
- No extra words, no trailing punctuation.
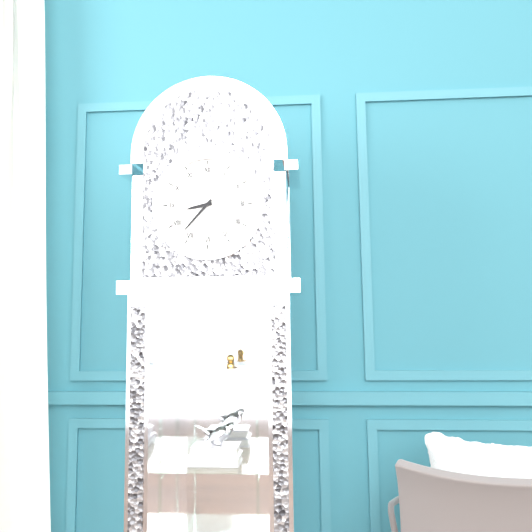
8 h 37 min
